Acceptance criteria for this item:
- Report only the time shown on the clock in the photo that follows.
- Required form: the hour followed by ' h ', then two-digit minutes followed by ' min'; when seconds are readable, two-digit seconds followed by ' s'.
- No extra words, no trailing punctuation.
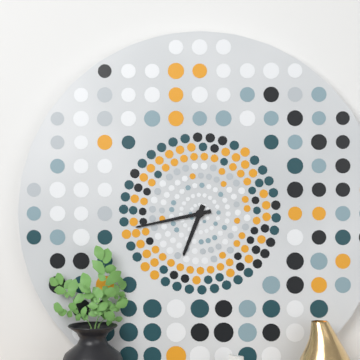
6 h 43 min
